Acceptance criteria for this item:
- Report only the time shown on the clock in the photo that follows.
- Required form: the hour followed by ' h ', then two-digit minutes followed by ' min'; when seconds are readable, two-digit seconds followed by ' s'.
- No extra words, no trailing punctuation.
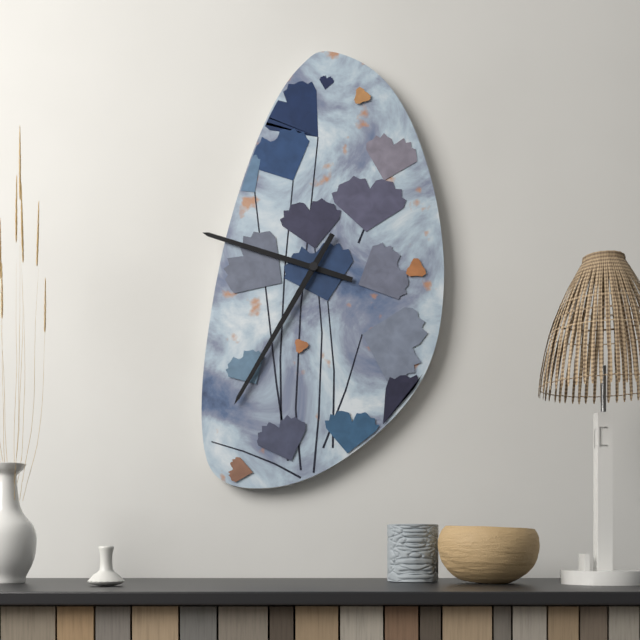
9 h 35 min
